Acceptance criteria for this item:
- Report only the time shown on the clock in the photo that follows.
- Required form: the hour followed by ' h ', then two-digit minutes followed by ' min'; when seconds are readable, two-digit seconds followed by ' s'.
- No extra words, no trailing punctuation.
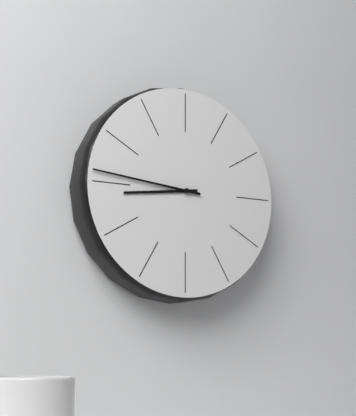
8 h 46 min
